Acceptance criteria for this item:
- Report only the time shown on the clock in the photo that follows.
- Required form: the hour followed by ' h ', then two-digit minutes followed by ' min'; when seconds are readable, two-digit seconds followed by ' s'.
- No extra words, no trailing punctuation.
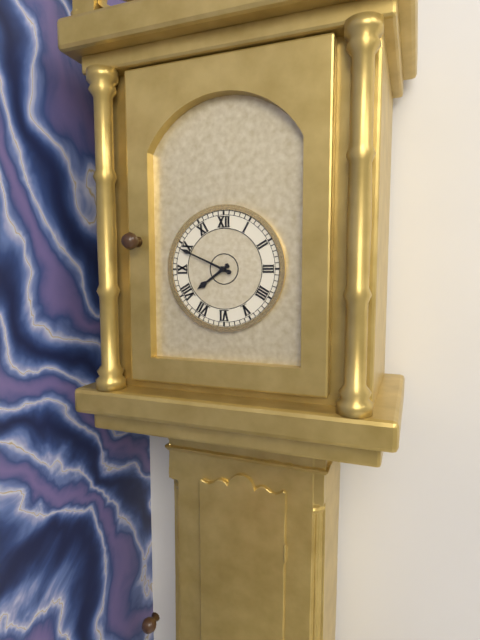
7 h 49 min
